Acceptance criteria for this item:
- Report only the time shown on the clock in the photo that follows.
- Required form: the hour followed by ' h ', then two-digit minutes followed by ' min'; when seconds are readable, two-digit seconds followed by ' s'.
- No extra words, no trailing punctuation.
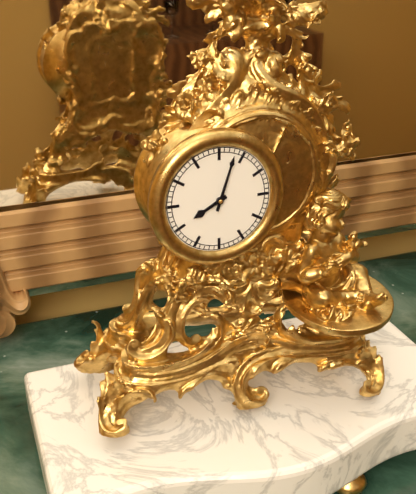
8 h 03 min
